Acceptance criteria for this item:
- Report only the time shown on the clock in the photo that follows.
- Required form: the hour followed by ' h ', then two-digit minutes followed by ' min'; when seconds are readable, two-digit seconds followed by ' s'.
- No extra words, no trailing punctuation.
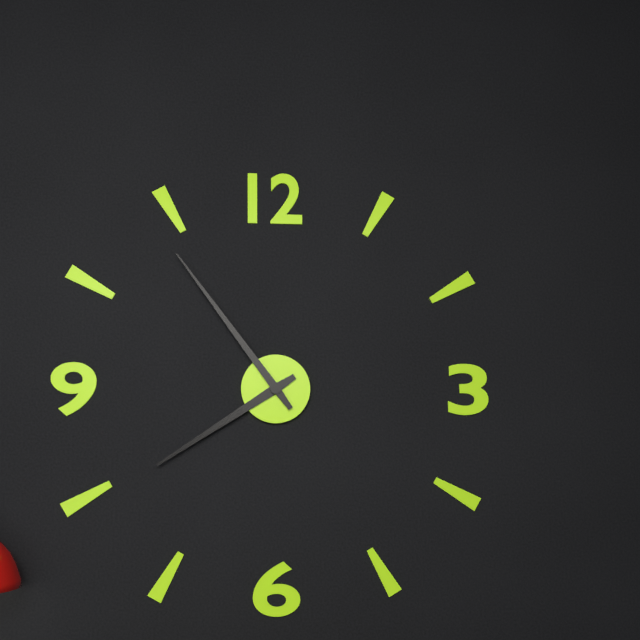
7 h 54 min
